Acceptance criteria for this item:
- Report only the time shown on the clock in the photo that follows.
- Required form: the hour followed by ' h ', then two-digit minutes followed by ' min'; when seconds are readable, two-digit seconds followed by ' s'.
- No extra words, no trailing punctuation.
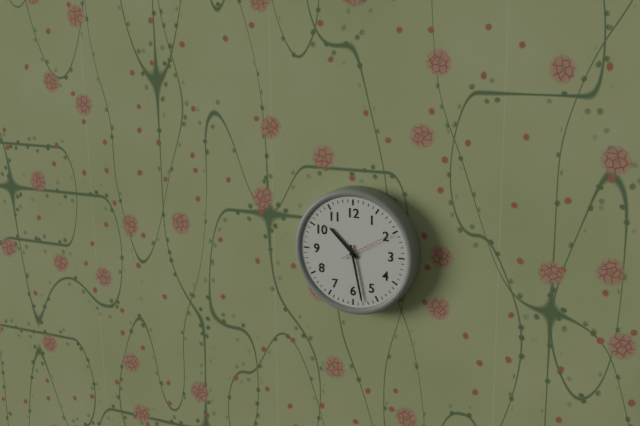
10 h 28 min 10 s
